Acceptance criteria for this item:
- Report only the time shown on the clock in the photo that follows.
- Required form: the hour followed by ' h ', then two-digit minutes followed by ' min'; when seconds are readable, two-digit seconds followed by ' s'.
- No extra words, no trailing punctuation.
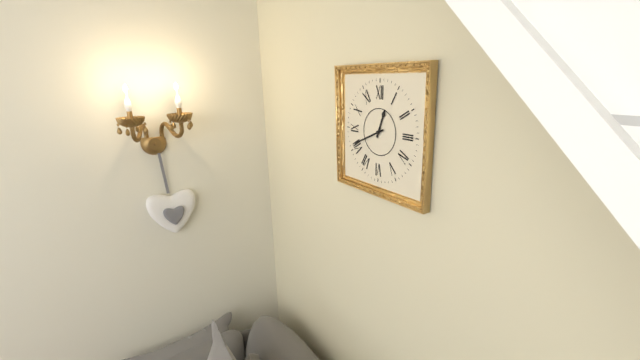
12 h 41 min
